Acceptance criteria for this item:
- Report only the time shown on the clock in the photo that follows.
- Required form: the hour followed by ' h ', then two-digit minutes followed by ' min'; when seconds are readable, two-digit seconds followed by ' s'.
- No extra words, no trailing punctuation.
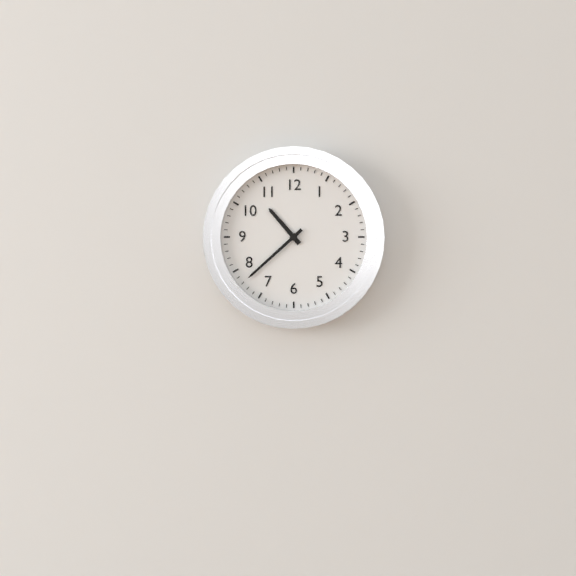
10 h 38 min
